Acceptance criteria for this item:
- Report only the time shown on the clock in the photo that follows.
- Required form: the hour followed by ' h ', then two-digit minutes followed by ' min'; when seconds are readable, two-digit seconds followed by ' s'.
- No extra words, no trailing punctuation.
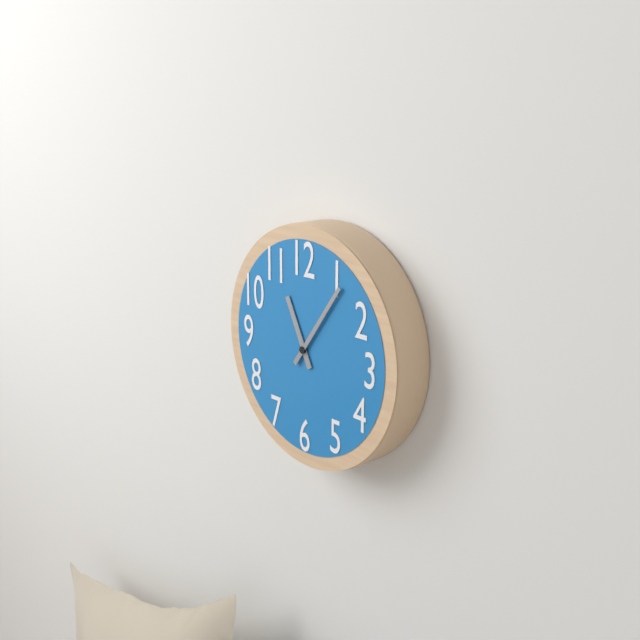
11 h 06 min
